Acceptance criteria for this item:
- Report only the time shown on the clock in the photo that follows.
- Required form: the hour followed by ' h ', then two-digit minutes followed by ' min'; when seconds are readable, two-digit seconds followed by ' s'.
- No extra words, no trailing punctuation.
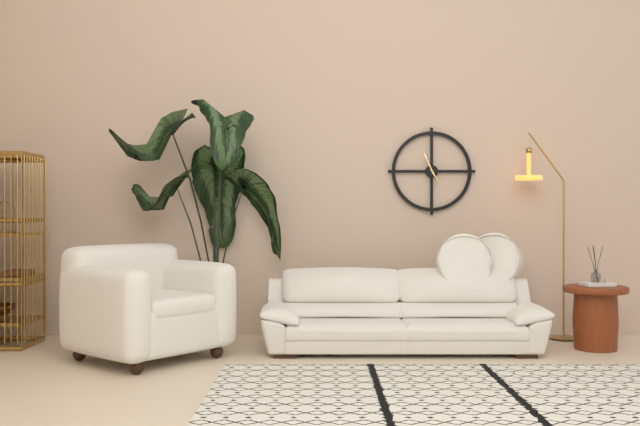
4 h 56 min
